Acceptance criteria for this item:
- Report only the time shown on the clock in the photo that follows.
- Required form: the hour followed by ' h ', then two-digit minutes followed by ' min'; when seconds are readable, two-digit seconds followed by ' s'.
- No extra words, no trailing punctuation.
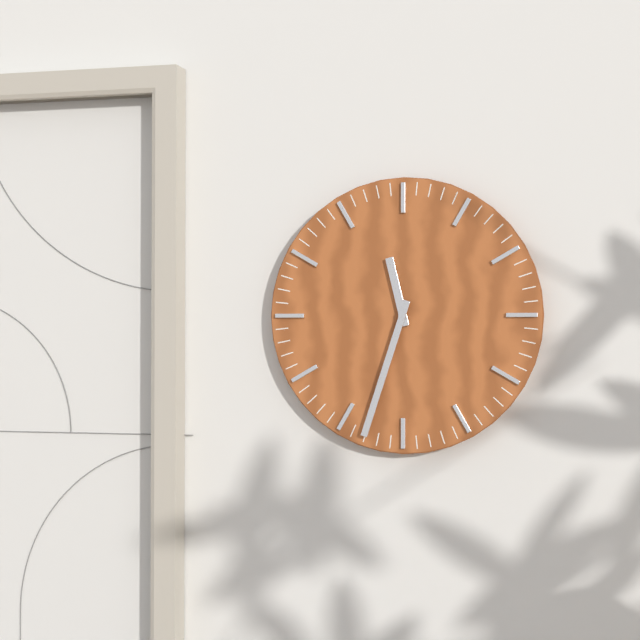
11 h 33 min
